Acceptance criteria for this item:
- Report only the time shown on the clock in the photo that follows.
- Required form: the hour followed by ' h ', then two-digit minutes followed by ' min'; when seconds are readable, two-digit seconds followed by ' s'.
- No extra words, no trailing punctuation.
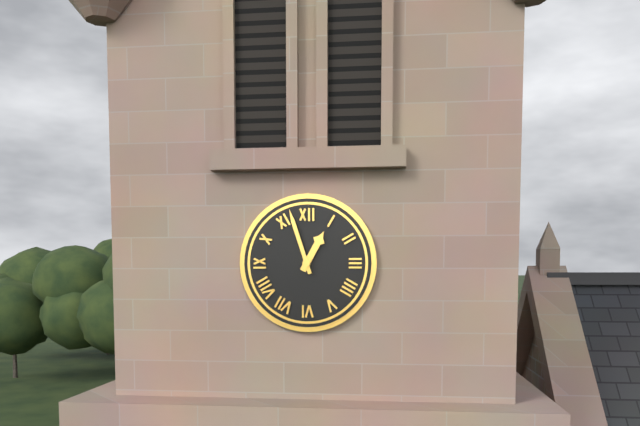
12 h 57 min
